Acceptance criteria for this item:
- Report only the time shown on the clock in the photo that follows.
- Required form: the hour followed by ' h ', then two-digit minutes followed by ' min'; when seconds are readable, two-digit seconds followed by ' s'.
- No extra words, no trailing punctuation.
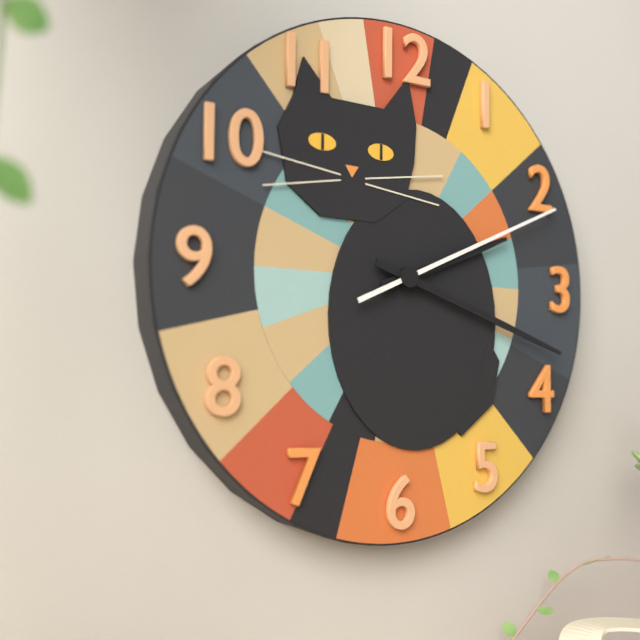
2 h 18 min 11 s
